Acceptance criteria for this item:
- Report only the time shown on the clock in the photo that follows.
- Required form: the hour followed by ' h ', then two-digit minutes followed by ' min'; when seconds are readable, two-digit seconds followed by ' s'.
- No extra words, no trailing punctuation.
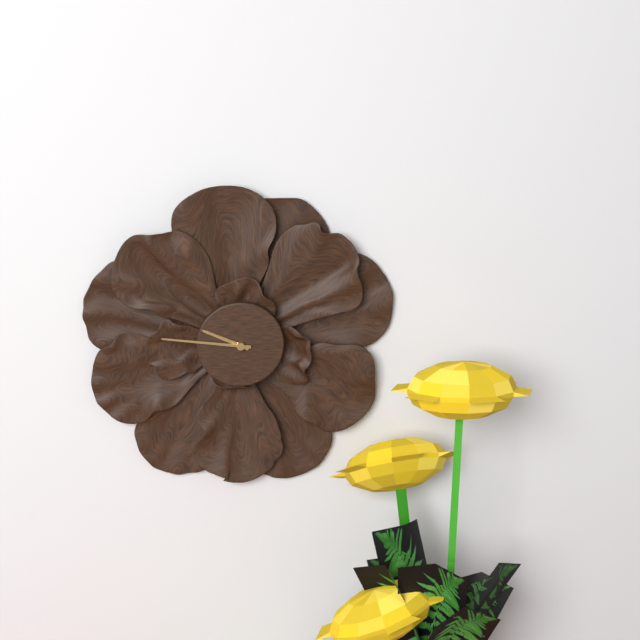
9 h 46 min
